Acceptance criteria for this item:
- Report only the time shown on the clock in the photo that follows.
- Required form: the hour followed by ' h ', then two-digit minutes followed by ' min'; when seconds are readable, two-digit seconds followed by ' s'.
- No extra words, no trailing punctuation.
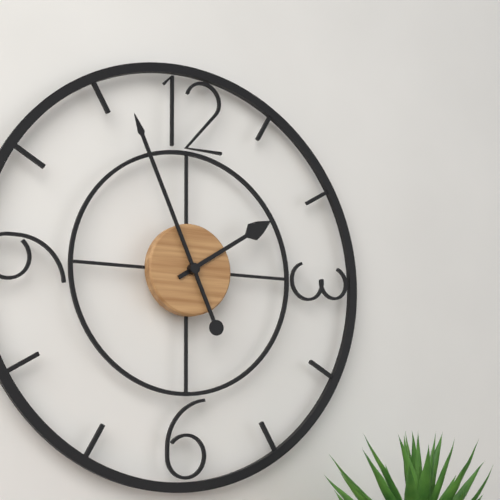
1 h 56 min
